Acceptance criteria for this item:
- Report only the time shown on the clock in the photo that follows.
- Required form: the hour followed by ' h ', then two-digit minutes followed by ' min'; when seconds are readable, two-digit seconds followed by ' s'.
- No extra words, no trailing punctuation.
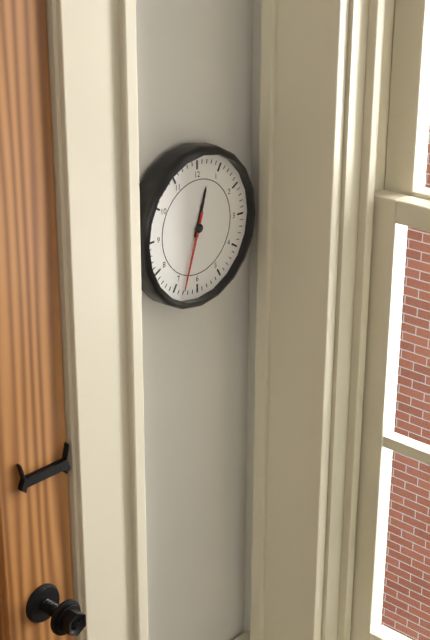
12 h 33 min
